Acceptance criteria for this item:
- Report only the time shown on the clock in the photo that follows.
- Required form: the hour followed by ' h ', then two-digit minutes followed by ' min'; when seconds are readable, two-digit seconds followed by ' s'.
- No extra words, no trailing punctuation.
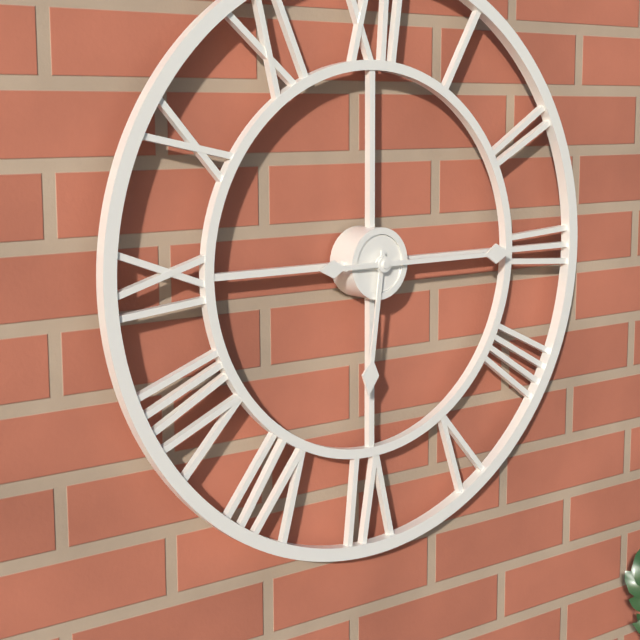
6 h 15 min
